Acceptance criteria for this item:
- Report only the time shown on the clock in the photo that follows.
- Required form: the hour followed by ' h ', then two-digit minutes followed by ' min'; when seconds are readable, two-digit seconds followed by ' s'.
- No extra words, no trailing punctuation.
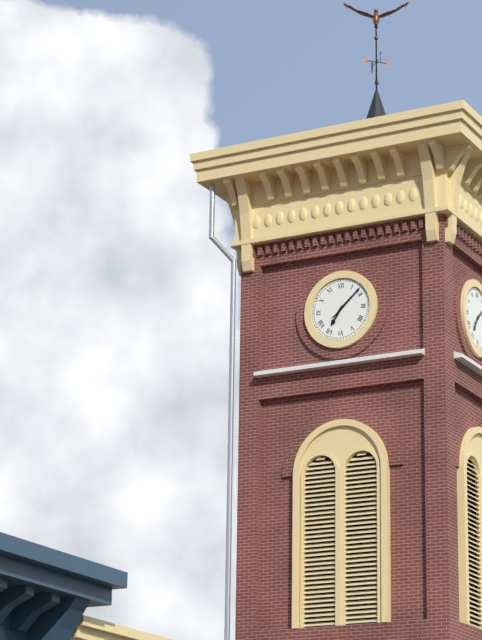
7 h 08 min
